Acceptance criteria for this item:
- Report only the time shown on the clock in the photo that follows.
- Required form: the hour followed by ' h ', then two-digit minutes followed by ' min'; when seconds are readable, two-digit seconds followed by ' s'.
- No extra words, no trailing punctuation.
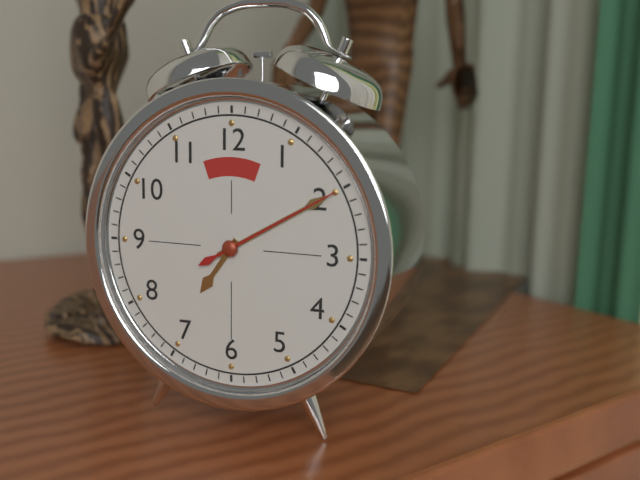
7 h 10 min 10 s
